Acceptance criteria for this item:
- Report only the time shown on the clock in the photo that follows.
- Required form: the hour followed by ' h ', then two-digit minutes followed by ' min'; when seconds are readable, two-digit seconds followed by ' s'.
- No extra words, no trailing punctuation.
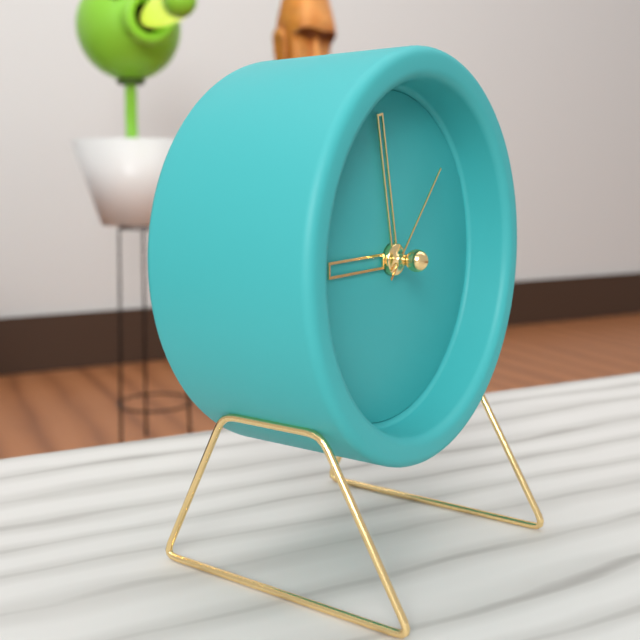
8 h 58 min 07 s
